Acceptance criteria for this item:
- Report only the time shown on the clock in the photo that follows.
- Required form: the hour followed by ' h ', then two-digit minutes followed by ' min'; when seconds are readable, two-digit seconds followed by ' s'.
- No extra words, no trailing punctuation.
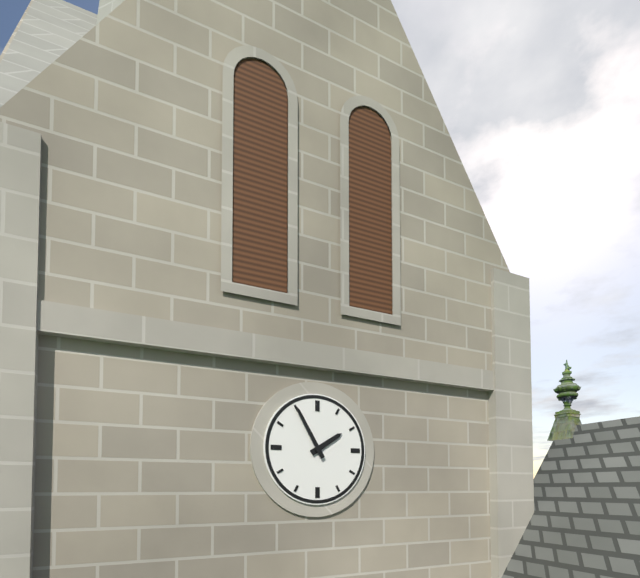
1 h 55 min
